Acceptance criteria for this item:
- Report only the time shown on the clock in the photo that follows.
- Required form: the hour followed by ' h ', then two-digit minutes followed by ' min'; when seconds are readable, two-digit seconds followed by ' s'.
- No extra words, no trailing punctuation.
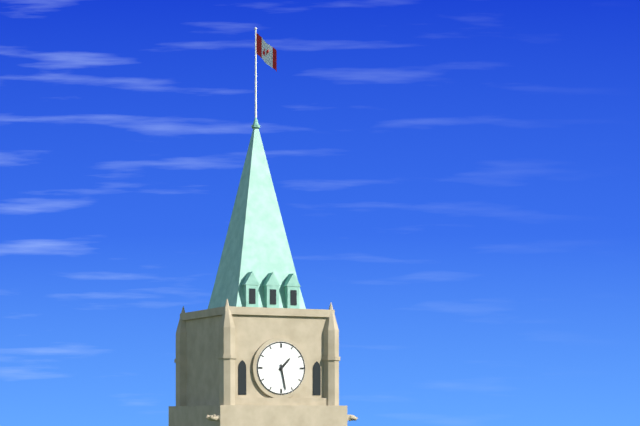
1 h 28 min
